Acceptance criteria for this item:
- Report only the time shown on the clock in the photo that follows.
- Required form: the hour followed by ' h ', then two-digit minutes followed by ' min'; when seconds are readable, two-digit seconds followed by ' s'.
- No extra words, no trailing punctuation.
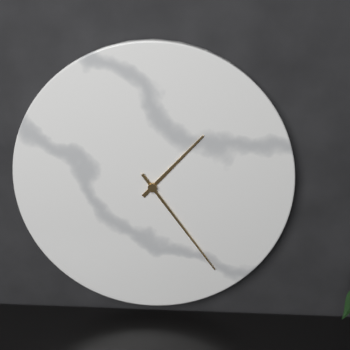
1 h 24 min
